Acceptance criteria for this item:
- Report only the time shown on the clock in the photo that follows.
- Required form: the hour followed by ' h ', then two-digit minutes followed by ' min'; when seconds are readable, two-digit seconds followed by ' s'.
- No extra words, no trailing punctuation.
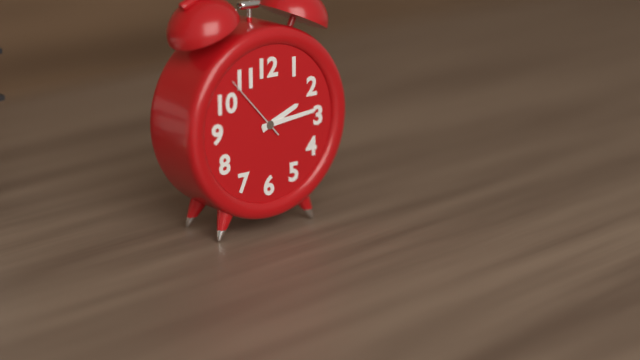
2 h 14 min 53 s
